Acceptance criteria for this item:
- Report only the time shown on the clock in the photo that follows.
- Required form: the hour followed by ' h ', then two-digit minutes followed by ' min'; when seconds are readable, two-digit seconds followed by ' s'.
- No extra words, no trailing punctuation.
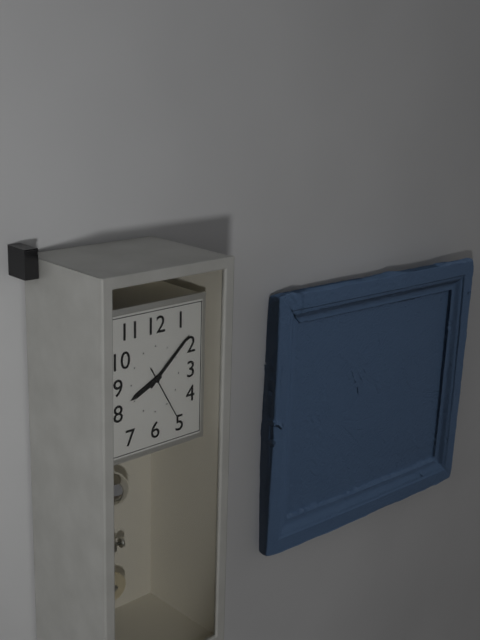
8 h 08 min 25 s
